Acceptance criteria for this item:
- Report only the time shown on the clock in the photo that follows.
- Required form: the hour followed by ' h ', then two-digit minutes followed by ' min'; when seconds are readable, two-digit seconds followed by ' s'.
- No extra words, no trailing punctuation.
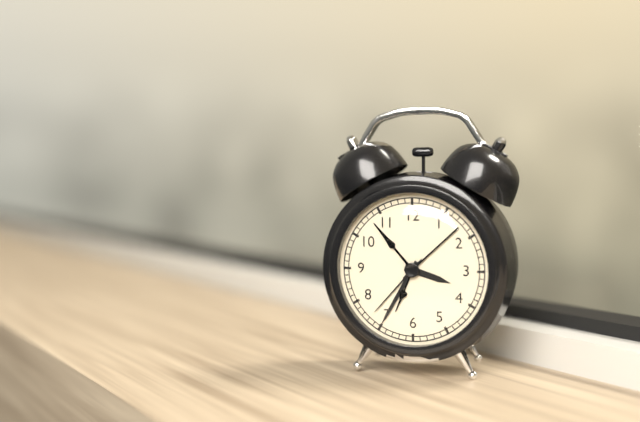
3 h 35 min 37 s
